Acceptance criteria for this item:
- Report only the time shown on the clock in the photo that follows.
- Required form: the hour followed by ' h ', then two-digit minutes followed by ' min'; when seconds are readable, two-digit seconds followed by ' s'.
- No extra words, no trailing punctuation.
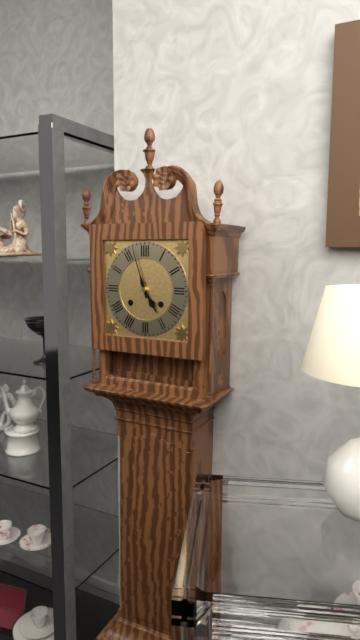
4 h 57 min
